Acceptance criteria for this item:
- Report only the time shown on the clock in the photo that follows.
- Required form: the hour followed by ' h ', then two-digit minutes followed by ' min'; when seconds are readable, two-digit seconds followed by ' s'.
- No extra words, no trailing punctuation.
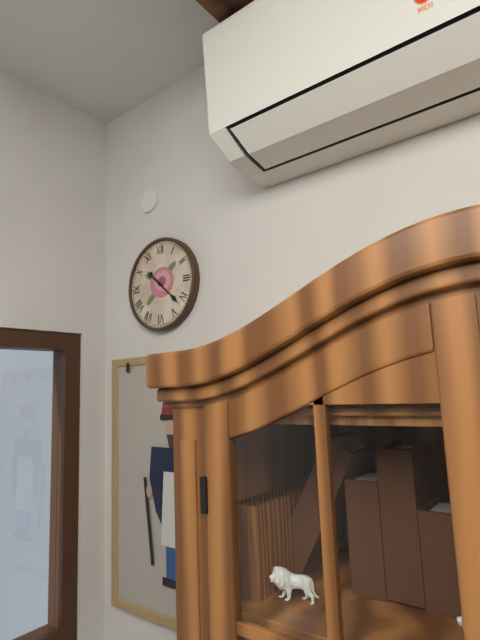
10 h 22 min
